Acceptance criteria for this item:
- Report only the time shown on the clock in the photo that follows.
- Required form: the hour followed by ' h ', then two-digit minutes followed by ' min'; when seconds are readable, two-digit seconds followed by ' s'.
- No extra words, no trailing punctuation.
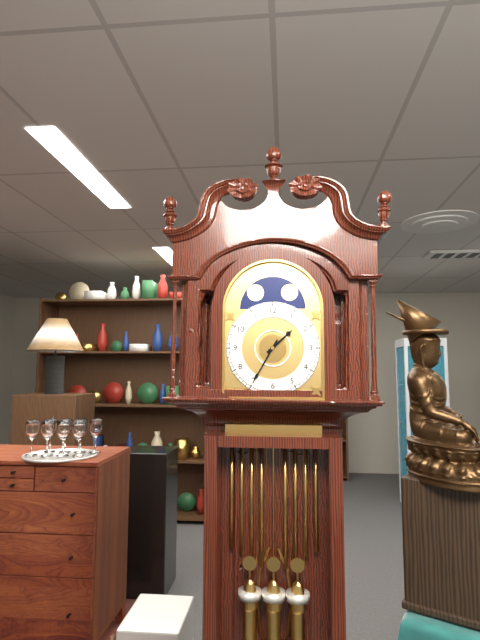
1 h 35 min
